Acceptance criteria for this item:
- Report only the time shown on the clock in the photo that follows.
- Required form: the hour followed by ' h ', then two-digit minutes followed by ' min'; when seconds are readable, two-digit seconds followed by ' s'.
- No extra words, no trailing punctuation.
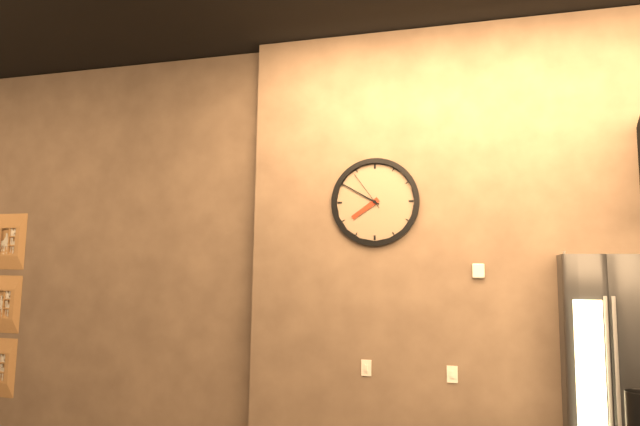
7 h 50 min
